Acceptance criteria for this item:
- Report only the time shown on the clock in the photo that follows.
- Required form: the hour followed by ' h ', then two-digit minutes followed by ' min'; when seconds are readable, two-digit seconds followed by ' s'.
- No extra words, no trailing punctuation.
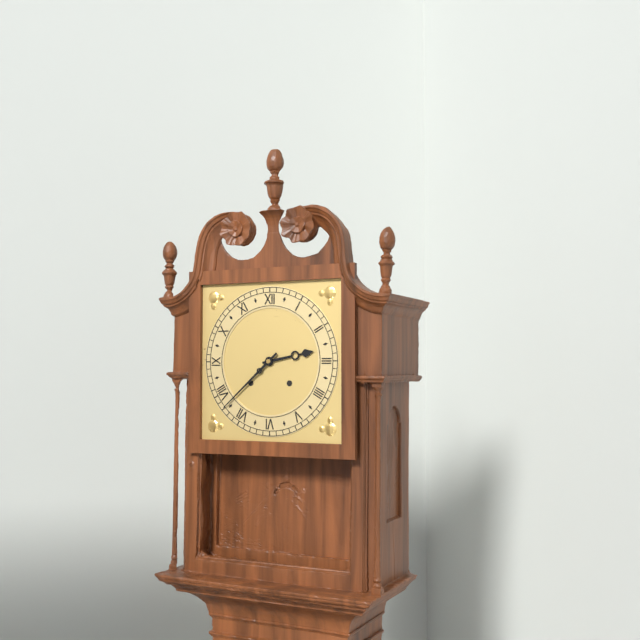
2 h 38 min
